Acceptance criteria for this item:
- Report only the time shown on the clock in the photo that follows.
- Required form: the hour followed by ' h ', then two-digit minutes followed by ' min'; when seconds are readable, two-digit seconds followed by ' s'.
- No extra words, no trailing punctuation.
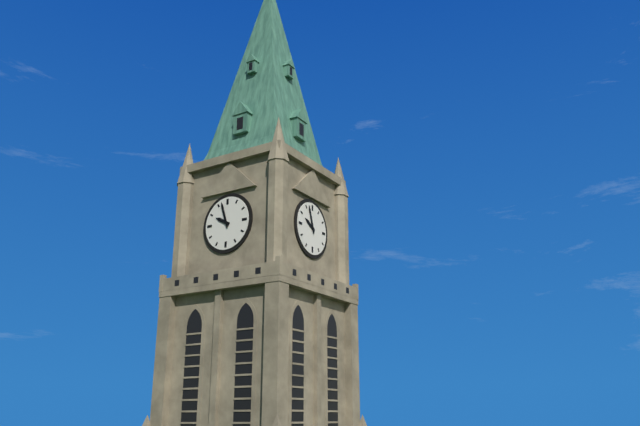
9 h 57 min
